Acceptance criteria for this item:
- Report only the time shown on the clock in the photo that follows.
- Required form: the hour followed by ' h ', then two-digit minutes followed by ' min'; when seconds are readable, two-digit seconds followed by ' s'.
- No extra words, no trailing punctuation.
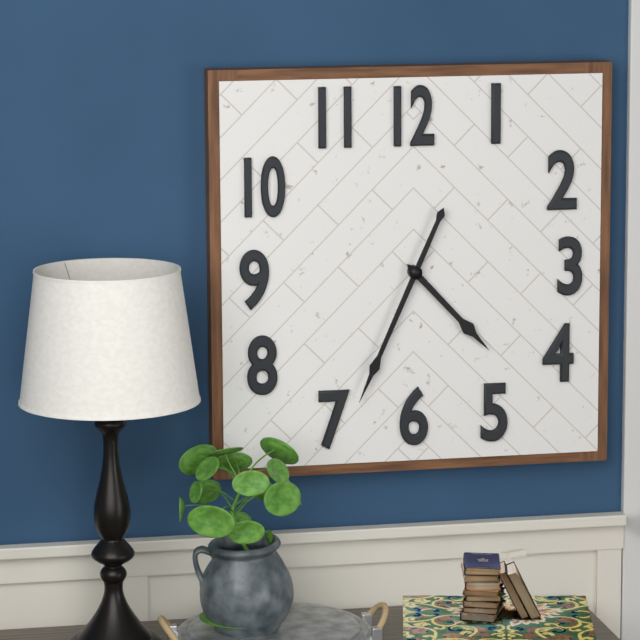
4 h 34 min
